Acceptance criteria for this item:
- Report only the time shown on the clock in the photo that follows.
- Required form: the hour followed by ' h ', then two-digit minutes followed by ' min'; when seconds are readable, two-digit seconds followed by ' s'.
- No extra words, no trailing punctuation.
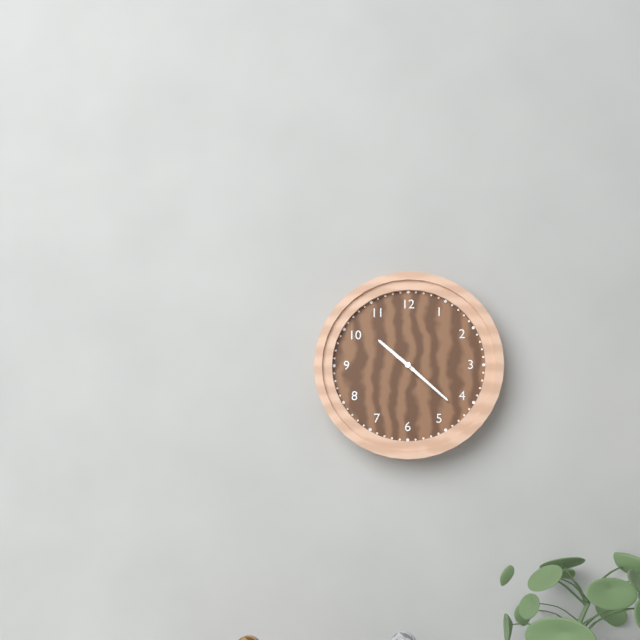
10 h 22 min
